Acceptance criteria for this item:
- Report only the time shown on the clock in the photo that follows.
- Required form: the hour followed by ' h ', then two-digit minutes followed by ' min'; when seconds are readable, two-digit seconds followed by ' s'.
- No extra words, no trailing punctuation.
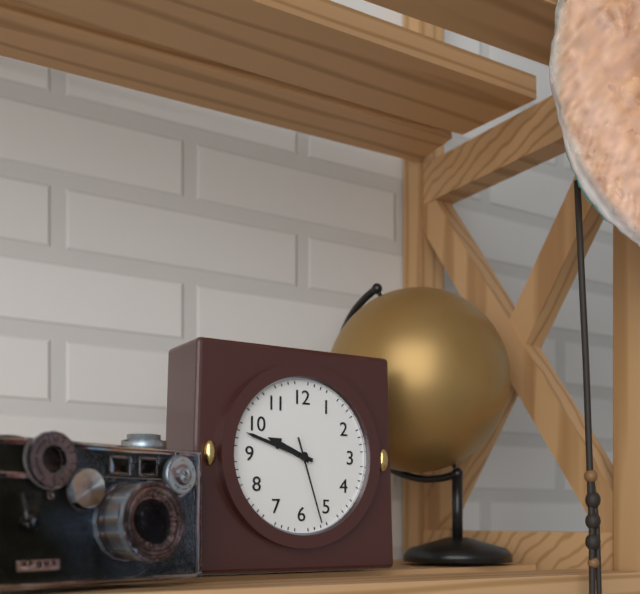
9 h 48 min 27 s
